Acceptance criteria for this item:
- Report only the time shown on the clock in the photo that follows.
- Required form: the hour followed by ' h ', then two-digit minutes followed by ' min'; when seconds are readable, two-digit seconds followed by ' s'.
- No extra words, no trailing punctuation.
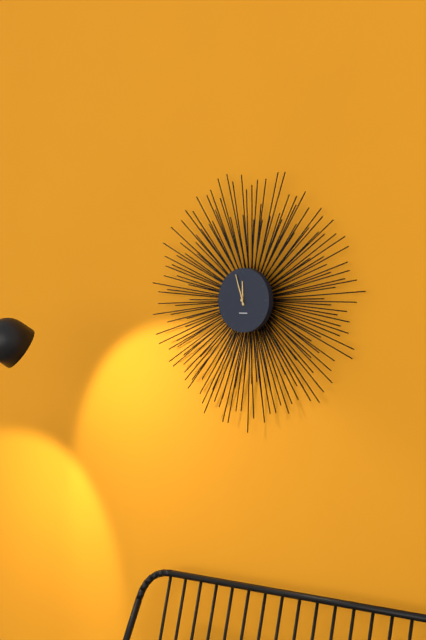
11 h 57 min
